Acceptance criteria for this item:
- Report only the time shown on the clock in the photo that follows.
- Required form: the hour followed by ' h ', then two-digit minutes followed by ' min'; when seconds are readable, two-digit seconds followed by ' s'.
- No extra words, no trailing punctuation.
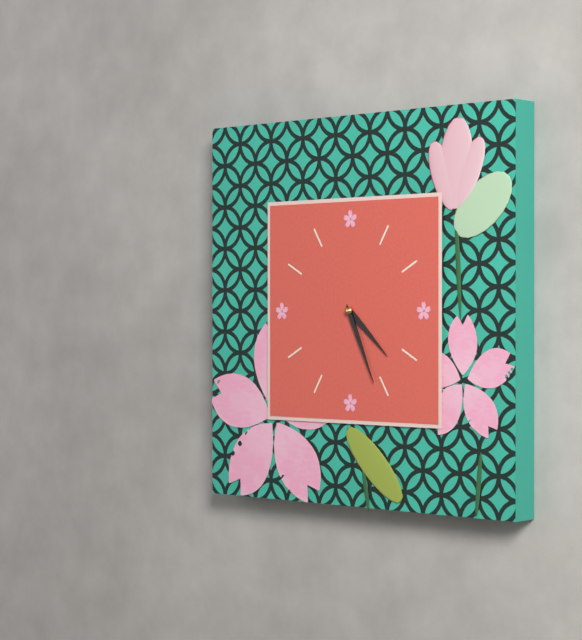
4 h 26 min
